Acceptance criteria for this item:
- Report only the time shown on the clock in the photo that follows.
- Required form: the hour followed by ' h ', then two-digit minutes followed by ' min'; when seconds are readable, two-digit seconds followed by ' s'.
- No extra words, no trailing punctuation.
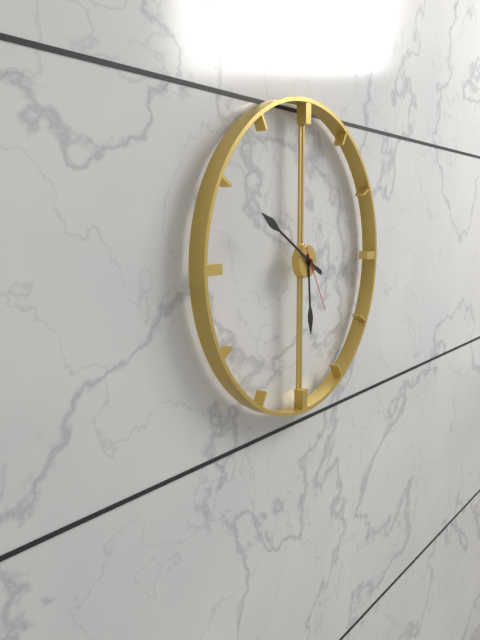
5 h 50 min 25 s
